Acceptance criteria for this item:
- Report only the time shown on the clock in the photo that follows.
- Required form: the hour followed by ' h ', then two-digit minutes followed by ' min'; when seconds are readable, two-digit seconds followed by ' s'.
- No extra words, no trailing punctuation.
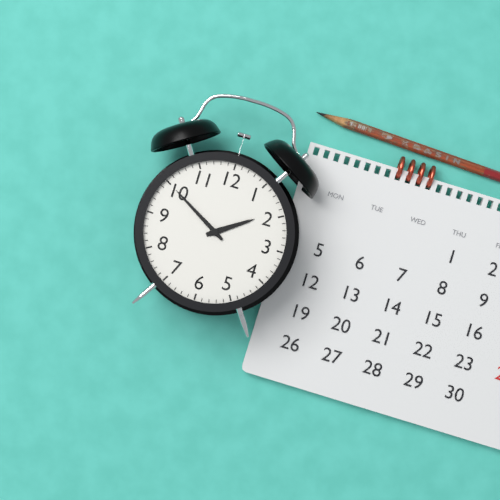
1 h 50 min
